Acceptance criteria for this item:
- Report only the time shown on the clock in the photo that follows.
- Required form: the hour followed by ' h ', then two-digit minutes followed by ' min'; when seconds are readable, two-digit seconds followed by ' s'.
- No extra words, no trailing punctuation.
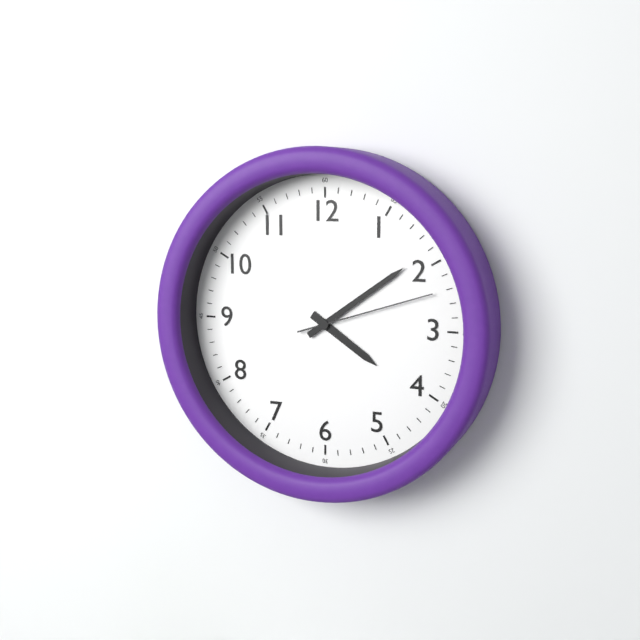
4 h 09 min 12 s
